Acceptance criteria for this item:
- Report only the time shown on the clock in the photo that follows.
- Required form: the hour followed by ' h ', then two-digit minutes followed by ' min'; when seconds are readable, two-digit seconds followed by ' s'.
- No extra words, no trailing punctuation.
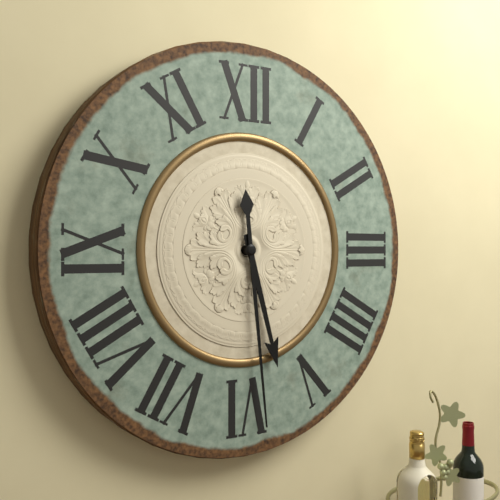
5 h 29 min
